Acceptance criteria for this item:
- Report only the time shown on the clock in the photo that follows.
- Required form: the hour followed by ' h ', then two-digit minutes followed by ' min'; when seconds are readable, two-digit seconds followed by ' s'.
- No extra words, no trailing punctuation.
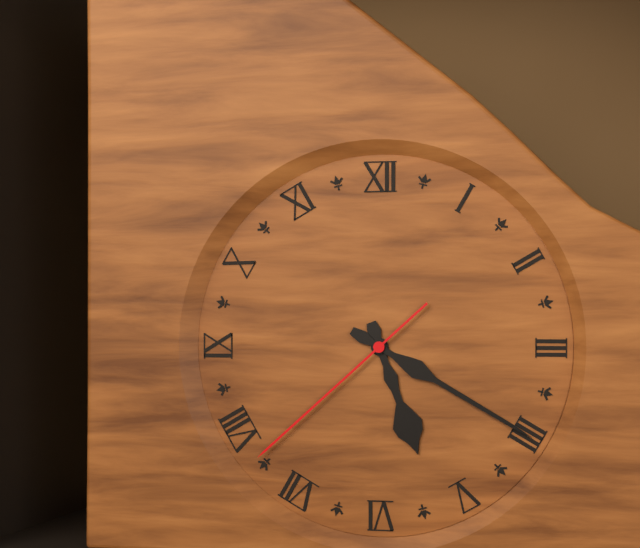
5 h 20 min 38 s
